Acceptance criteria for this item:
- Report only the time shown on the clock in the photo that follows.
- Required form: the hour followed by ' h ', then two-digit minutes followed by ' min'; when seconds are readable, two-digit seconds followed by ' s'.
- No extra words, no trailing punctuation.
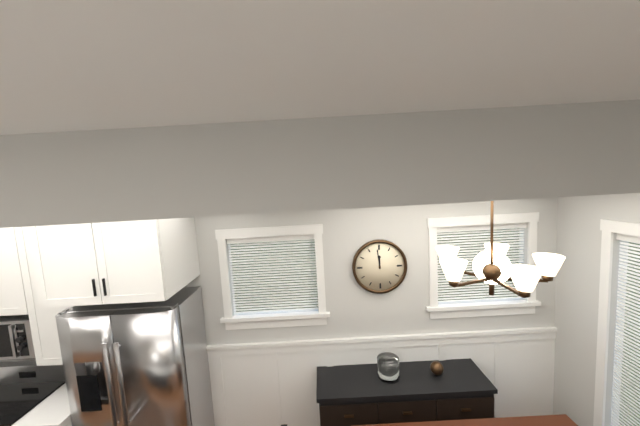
11 h 59 min
